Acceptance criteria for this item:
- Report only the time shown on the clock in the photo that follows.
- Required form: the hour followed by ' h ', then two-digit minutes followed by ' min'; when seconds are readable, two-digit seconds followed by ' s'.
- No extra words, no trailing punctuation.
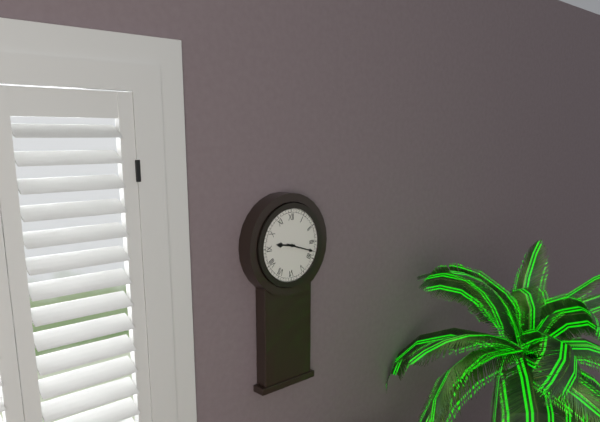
9 h 18 min
